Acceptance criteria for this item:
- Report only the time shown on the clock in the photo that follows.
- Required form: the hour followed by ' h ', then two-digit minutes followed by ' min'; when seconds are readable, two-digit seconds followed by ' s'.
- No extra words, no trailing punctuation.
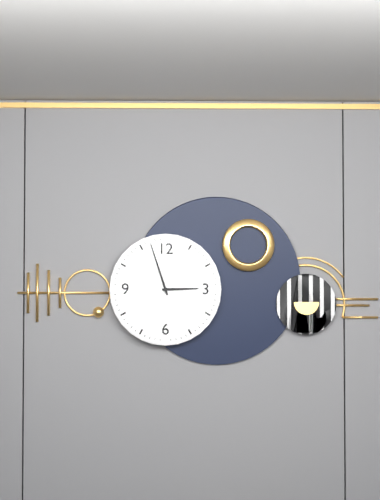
2 h 57 min
